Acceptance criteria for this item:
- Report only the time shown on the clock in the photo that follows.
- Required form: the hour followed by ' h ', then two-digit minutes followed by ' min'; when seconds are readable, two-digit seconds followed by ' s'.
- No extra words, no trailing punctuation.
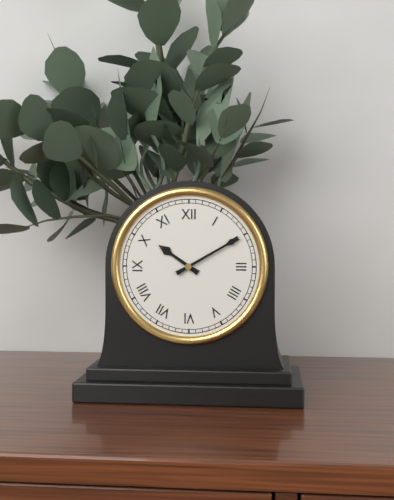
10 h 10 min
